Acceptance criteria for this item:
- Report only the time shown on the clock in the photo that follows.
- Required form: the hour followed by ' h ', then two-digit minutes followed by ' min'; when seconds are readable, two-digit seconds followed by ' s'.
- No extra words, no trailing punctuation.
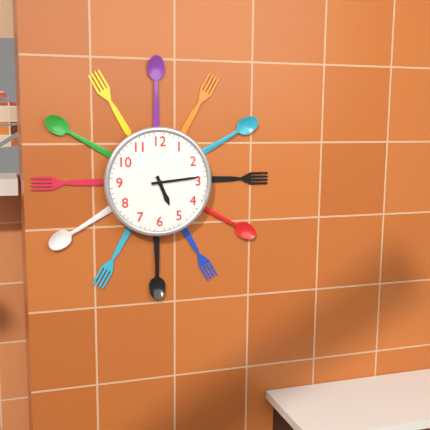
5 h 14 min
